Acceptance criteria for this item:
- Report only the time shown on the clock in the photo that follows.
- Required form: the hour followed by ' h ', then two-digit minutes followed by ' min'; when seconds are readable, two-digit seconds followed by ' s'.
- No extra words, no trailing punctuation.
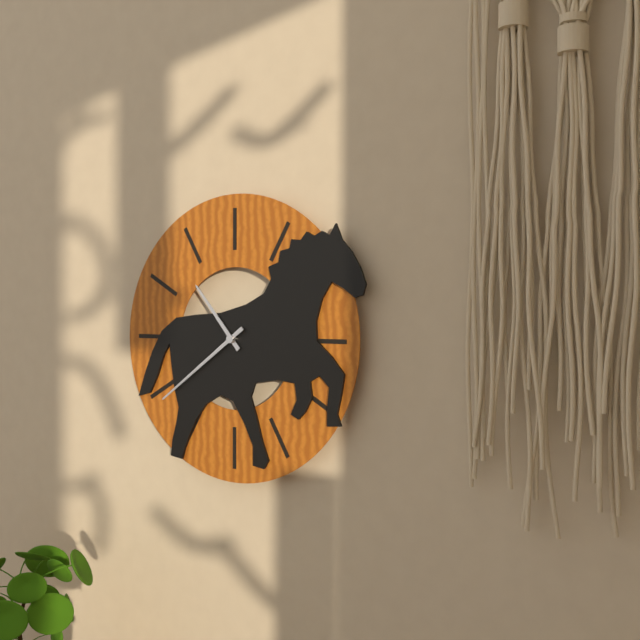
10 h 39 min
